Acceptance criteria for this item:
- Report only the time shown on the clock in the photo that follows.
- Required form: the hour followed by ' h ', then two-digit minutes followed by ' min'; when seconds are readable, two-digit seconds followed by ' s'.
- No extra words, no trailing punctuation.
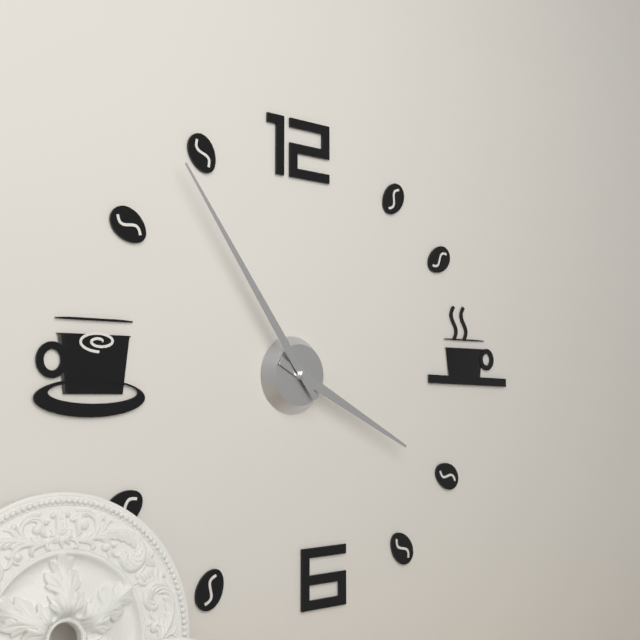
3 h 54 min
